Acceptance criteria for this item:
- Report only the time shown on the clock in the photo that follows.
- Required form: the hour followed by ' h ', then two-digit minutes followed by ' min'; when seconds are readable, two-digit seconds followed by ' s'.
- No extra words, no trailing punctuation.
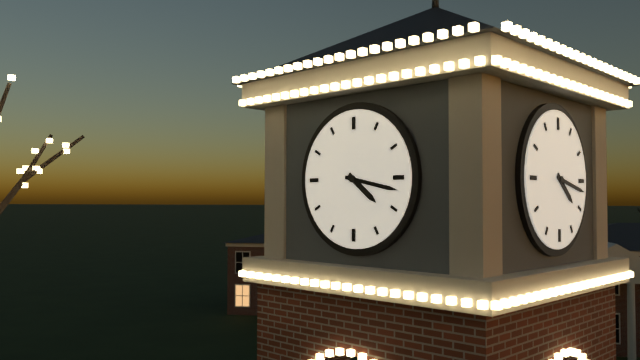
4 h 17 min
